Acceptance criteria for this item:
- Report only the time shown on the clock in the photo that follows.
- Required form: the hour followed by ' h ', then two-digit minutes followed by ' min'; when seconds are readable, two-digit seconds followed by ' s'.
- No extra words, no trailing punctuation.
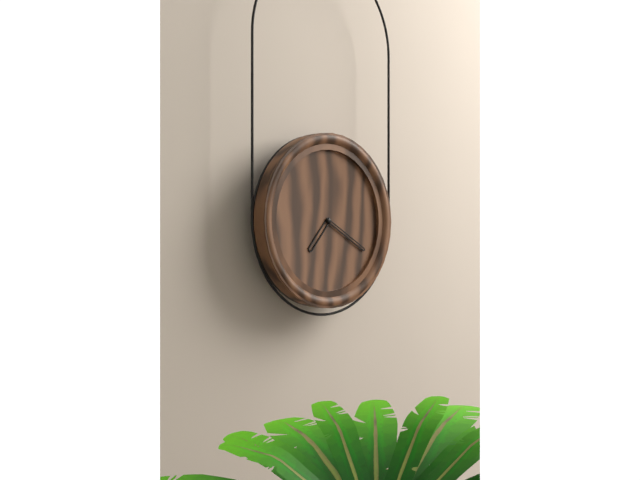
7 h 20 min
